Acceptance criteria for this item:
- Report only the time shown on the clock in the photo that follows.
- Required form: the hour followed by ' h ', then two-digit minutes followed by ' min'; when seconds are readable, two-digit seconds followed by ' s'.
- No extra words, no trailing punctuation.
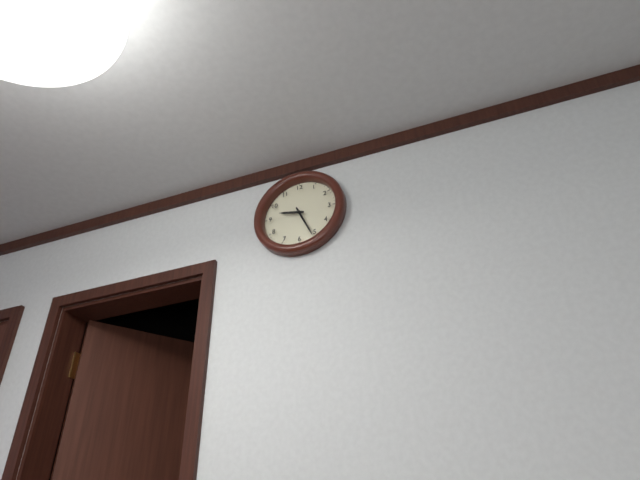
9 h 26 min
